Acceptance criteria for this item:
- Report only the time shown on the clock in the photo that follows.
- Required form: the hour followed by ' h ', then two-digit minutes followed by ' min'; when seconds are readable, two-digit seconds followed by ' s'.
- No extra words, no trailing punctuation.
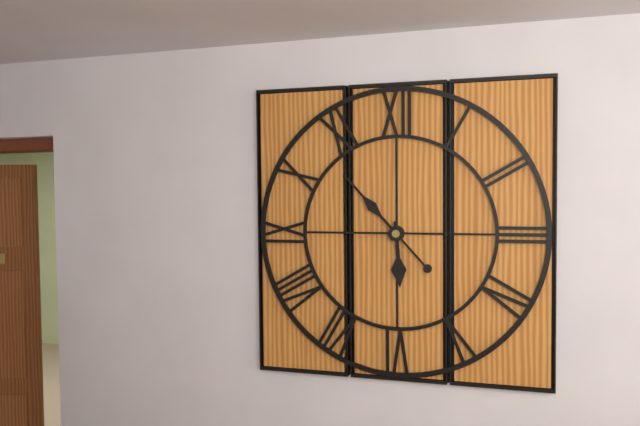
5 h 53 min
